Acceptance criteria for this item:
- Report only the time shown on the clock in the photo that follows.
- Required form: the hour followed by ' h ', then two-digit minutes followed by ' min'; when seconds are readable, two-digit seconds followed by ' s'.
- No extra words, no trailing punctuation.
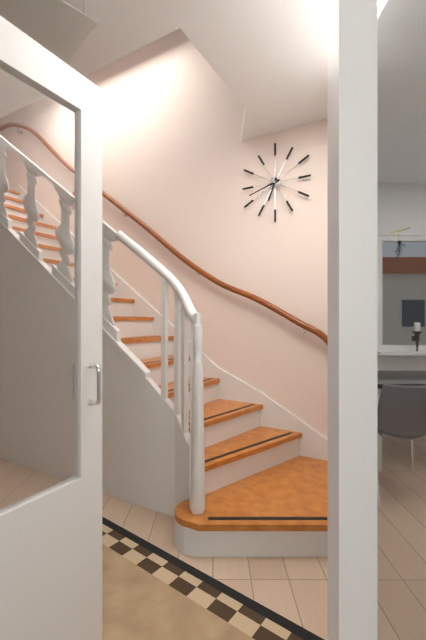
6 h 42 min
